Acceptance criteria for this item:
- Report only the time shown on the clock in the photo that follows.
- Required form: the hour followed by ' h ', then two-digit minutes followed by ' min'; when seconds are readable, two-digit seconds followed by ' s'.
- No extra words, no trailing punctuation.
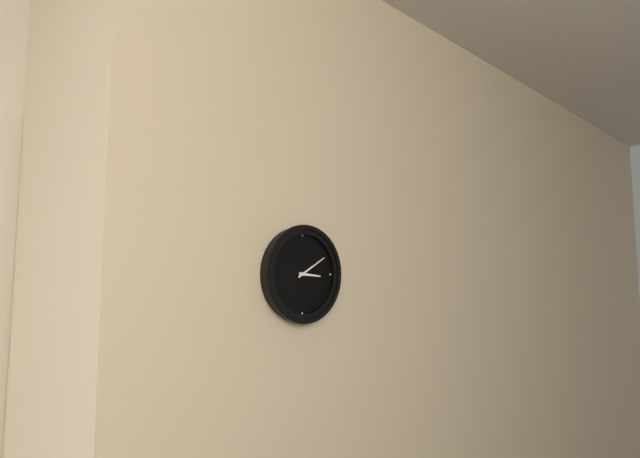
3 h 10 min
